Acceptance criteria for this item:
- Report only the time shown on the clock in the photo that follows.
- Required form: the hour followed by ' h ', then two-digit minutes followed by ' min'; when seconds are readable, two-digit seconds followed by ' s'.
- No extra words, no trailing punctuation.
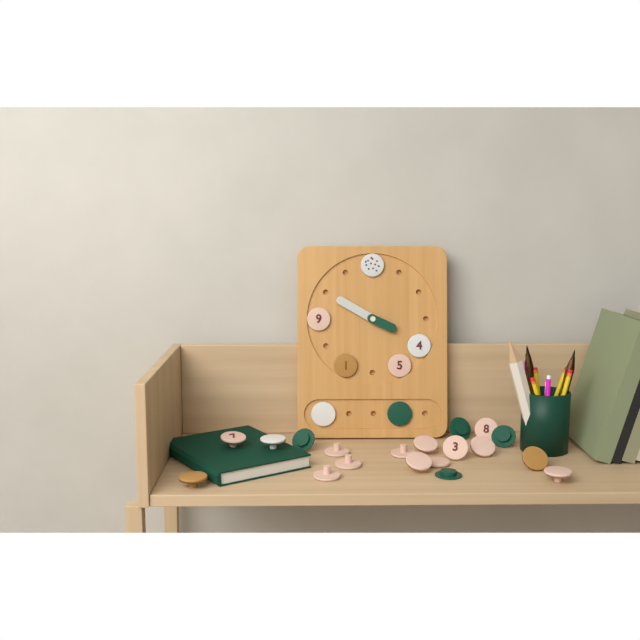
3 h 50 min
